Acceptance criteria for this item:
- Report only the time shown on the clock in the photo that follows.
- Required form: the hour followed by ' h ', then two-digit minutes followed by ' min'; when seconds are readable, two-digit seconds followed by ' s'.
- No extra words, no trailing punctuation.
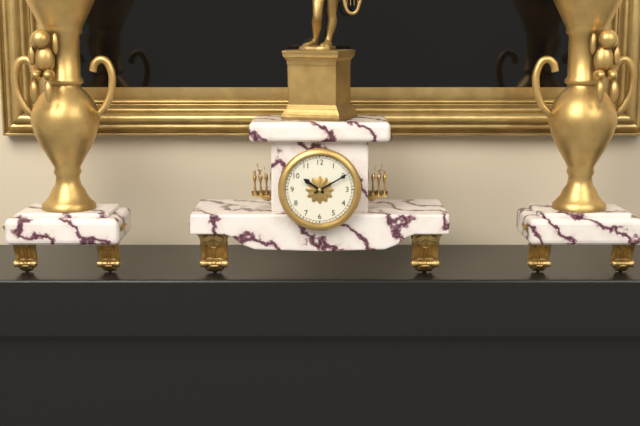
10 h 10 min
